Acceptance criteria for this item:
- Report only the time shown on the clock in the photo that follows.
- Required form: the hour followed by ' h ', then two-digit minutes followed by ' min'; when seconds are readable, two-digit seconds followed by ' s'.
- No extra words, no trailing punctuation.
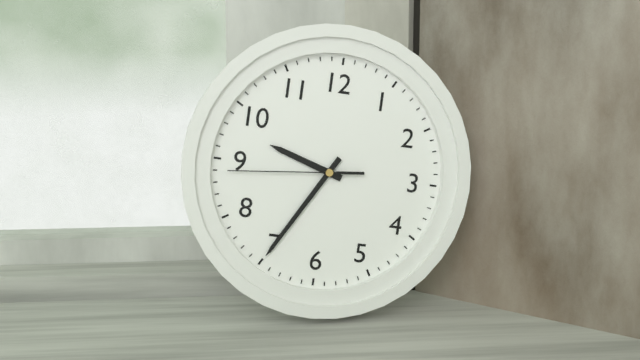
9 h 35 min 44 s
